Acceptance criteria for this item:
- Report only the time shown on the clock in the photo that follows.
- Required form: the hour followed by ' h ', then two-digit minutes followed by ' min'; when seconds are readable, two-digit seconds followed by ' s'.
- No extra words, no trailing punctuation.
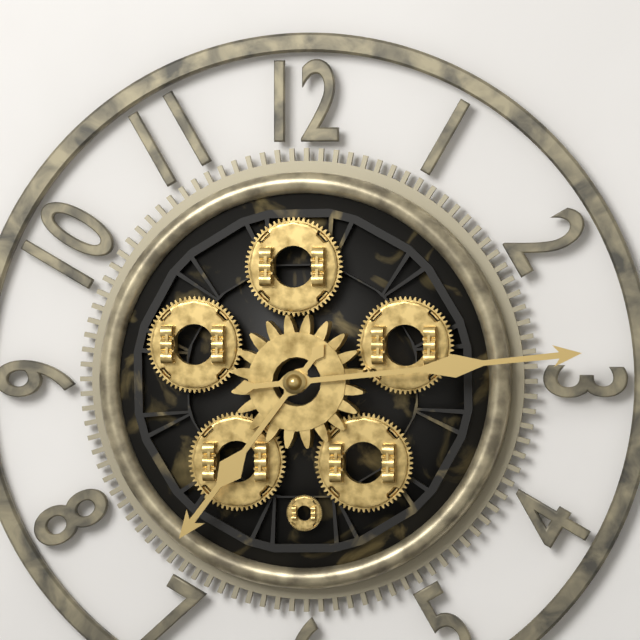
7 h 14 min
